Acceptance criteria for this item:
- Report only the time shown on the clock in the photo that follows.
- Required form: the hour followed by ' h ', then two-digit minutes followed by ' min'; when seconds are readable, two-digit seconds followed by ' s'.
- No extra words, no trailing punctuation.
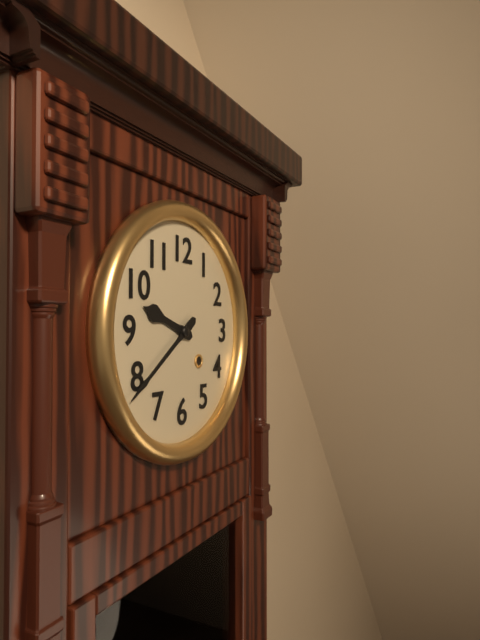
9 h 39 min
